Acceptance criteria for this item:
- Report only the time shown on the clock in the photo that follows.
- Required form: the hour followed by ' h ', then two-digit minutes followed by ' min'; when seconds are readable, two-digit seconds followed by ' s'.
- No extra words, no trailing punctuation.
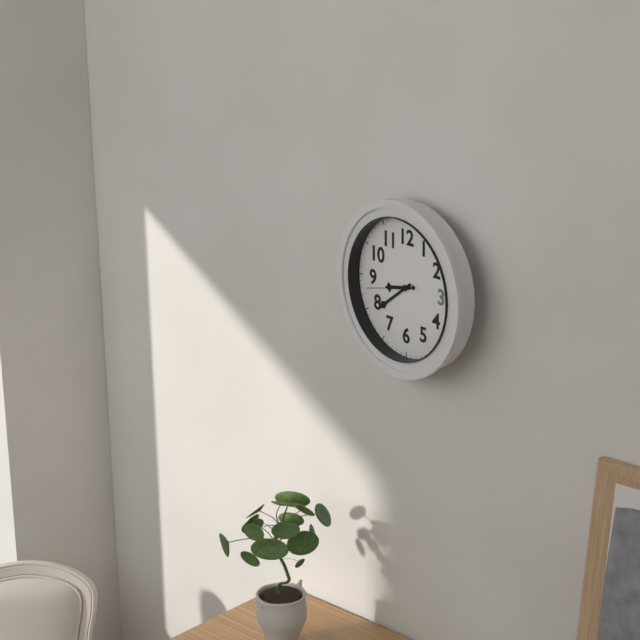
8 h 39 min
